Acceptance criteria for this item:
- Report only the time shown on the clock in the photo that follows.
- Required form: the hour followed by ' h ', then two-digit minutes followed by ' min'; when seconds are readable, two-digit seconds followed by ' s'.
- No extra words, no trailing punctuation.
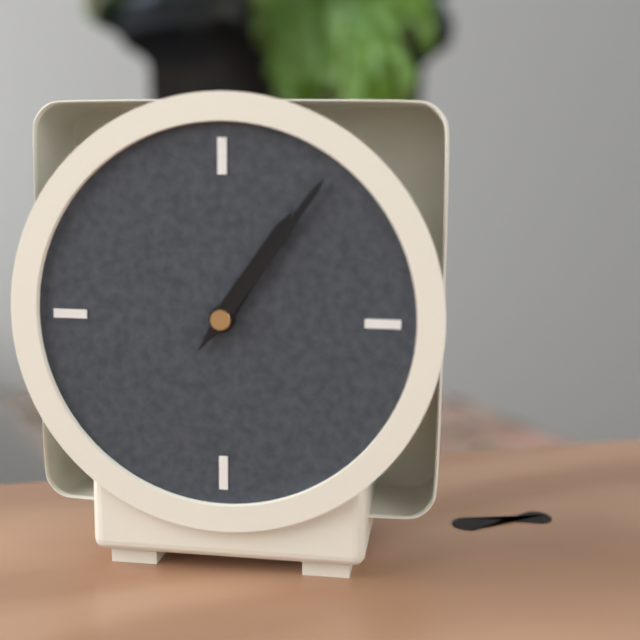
1 h 06 min
